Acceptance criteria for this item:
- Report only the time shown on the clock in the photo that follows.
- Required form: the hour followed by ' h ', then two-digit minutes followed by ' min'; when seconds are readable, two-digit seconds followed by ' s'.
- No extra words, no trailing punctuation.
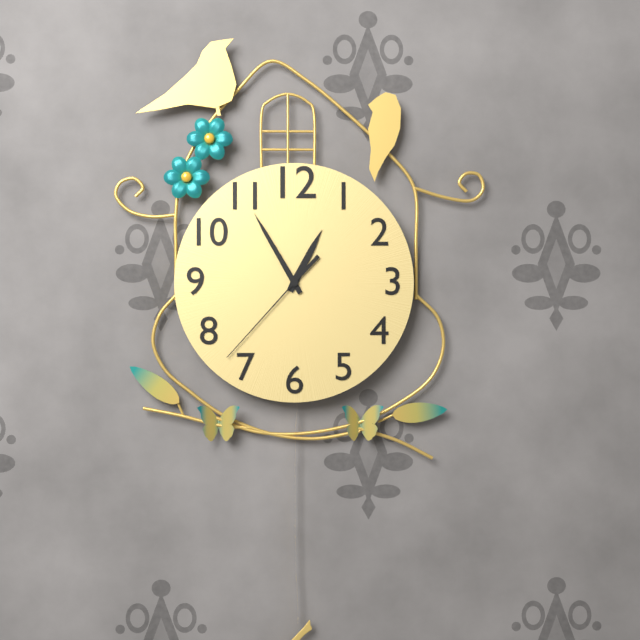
12 h 55 min 37 s
